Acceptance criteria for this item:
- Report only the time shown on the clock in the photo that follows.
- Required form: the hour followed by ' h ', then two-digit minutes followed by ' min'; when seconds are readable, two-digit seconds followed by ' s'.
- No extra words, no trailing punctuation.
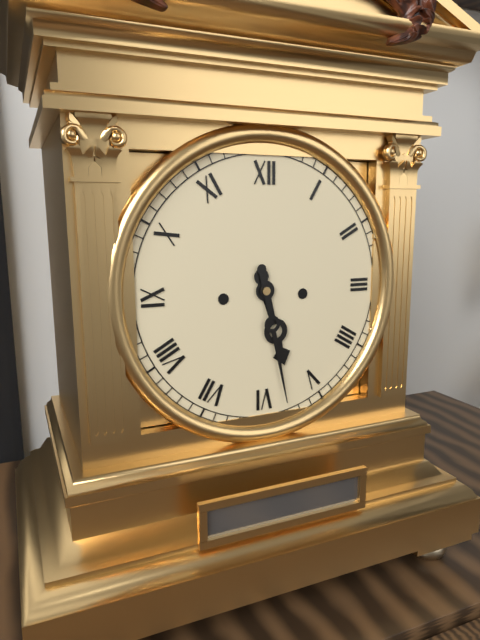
5 h 28 min
